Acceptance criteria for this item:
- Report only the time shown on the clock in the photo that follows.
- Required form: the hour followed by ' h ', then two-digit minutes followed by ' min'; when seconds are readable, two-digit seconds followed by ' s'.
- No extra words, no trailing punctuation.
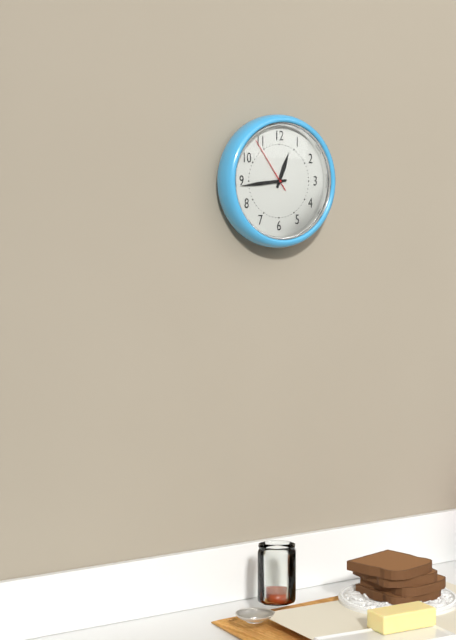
12 h 44 min 54 s
